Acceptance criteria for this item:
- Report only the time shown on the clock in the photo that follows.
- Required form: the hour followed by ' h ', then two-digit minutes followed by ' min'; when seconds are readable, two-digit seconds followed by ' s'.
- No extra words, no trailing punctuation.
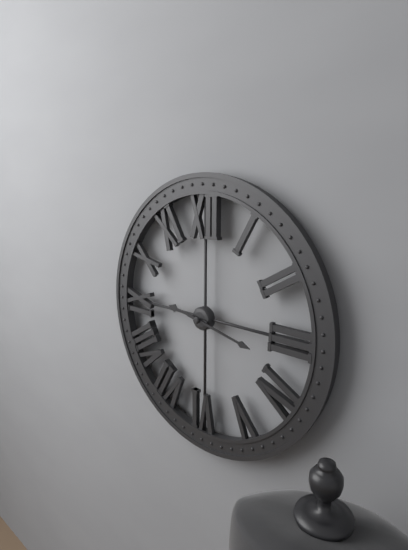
9 h 17 min
